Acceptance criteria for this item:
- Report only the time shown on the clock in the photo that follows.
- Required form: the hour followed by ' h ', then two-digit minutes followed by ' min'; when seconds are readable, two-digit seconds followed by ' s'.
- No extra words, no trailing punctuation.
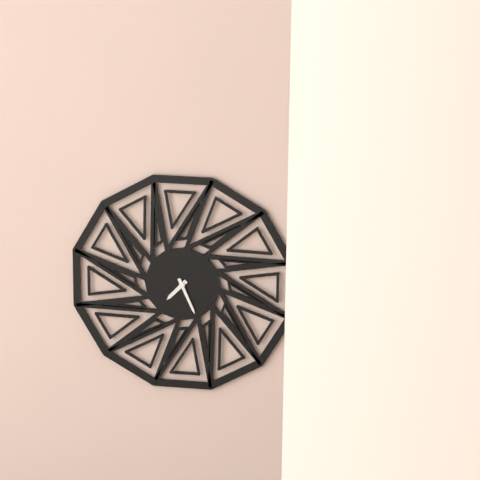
7 h 26 min
